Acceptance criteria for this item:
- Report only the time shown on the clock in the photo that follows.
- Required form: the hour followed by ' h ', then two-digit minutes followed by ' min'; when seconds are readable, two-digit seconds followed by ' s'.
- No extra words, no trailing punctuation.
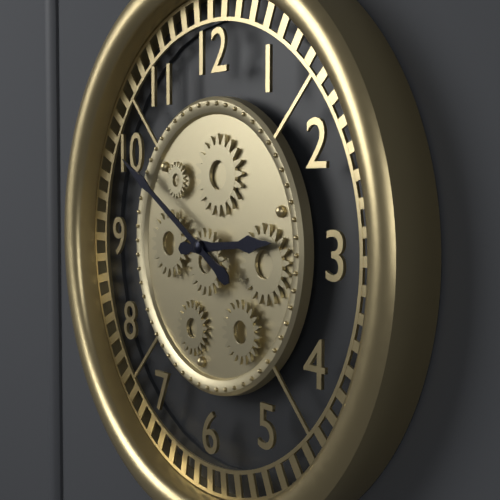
2 h 50 min
